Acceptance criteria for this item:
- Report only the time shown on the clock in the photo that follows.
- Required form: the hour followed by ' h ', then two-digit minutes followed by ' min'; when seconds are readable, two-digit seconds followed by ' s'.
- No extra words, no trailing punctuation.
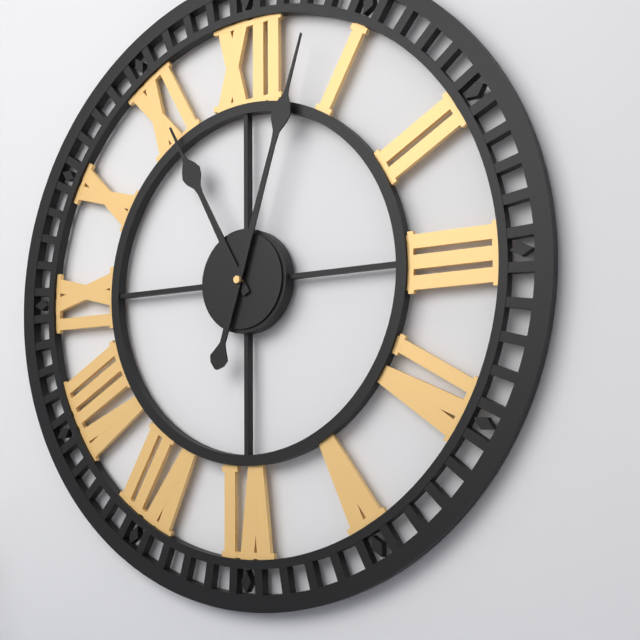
11 h 03 min
